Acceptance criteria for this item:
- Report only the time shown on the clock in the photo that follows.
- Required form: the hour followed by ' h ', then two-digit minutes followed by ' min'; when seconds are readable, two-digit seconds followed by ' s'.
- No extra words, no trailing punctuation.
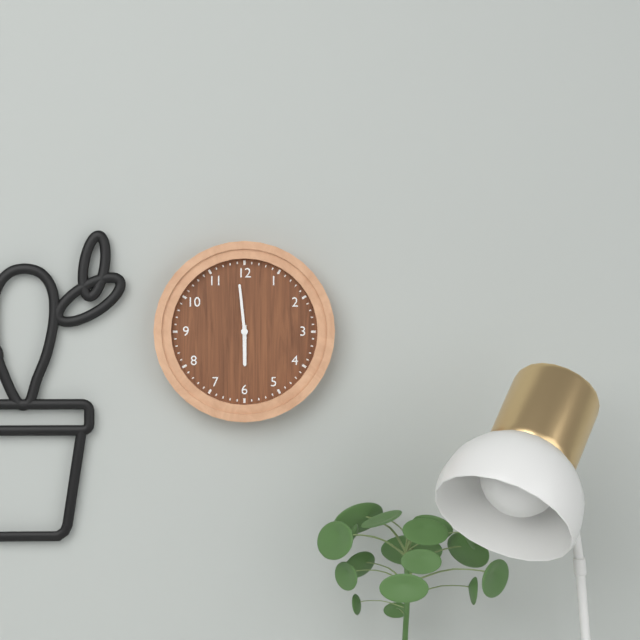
5 h 59 min
